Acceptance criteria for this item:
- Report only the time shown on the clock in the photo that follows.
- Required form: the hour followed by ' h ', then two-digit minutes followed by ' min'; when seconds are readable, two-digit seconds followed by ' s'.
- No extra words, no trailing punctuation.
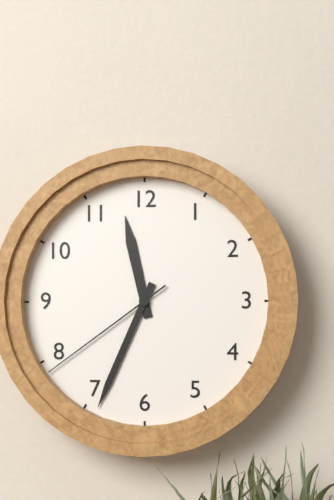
11 h 34 min 39 s
